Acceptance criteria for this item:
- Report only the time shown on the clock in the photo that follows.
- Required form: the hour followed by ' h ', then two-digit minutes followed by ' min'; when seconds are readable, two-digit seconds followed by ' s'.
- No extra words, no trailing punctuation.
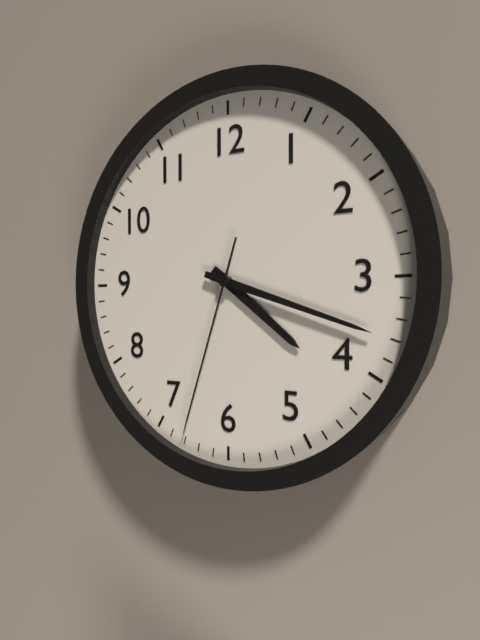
4 h 18 min 33 s
